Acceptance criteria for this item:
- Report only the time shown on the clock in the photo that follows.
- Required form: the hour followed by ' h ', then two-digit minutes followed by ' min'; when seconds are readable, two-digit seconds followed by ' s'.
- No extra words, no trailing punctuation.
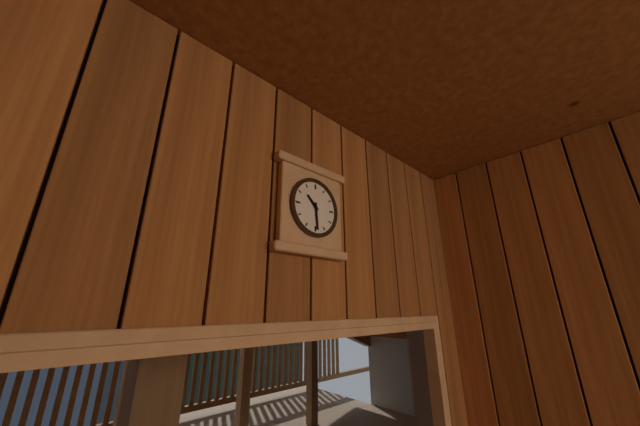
10 h 29 min
